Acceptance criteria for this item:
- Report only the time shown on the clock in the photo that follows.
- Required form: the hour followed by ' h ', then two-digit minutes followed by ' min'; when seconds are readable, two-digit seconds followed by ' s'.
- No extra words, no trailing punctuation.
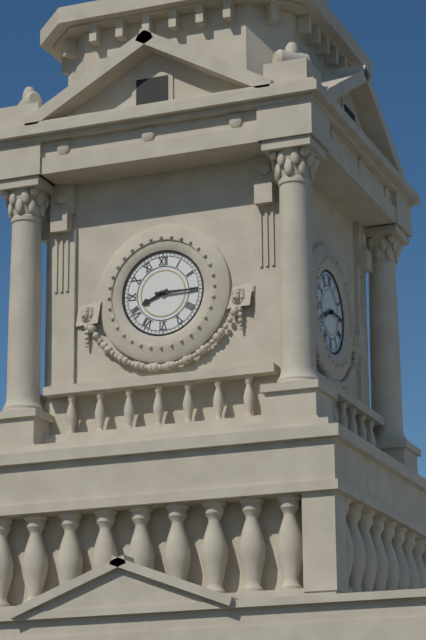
8 h 15 min
